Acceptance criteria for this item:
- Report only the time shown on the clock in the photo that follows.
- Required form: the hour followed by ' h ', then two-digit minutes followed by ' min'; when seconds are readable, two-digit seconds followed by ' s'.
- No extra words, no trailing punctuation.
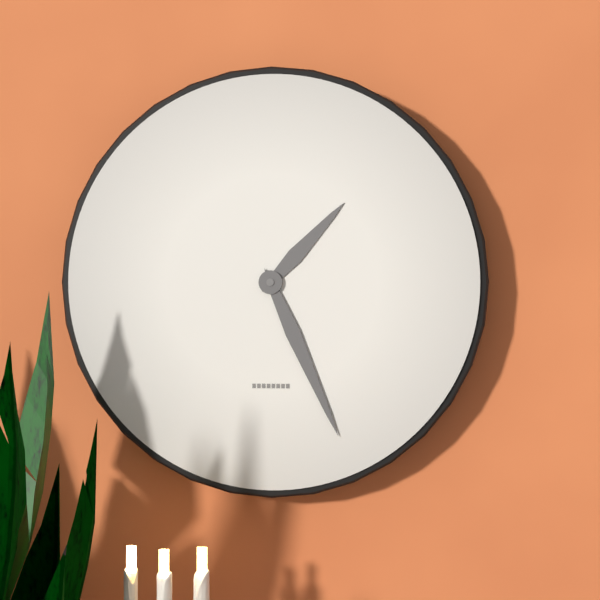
1 h 26 min
